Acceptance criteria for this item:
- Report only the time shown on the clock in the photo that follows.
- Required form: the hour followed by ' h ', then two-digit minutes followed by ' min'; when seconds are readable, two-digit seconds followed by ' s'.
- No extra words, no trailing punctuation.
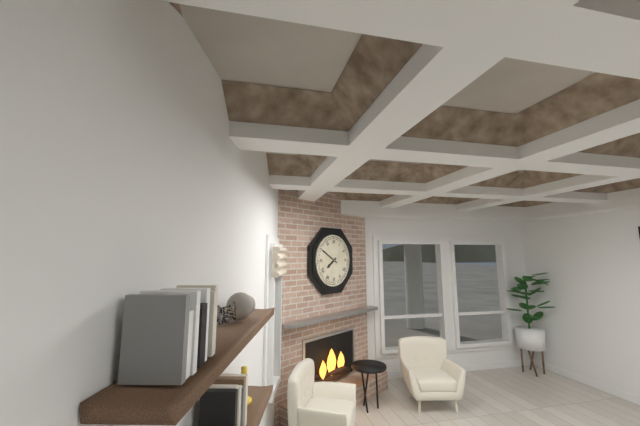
7 h 50 min
